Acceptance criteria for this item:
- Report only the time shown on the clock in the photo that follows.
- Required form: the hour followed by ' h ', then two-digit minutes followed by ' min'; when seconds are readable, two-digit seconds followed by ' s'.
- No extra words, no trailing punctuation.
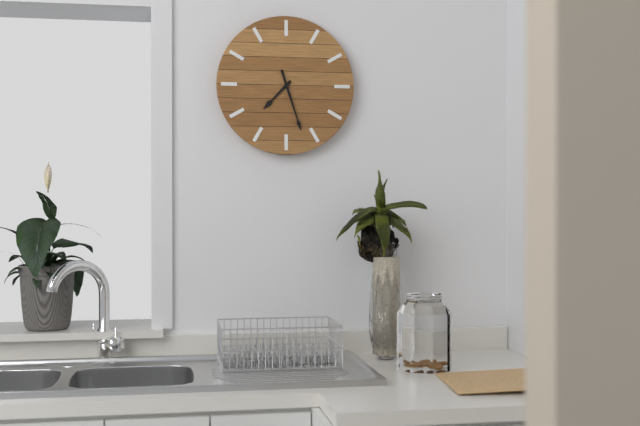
7 h 27 min
